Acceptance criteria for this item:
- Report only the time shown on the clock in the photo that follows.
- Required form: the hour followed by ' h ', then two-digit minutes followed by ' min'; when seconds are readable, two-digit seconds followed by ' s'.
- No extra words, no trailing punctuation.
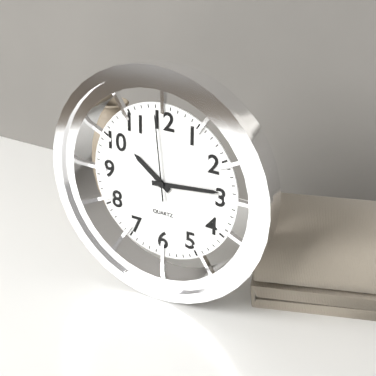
10 h 14 min 59 s
